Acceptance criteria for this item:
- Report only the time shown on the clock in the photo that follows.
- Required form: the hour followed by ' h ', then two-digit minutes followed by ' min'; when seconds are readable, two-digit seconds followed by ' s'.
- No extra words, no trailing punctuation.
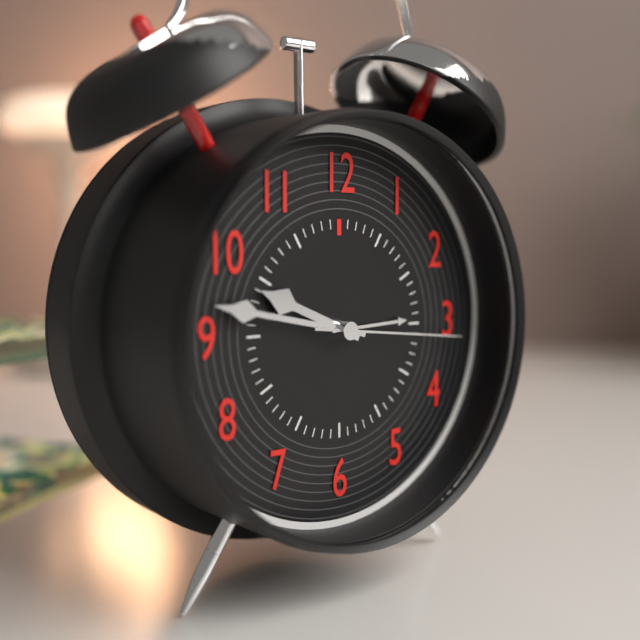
9 h 47 min 16 s
